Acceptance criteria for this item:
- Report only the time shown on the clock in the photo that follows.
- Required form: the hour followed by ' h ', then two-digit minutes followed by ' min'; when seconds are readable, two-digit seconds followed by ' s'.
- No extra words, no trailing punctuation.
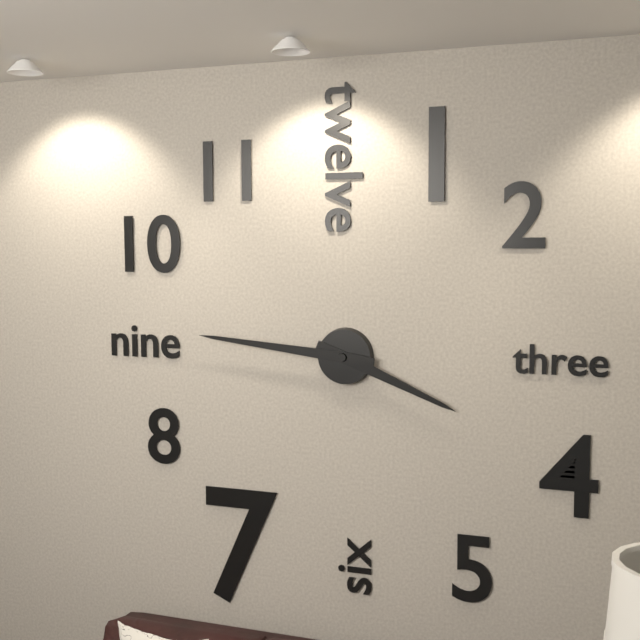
3 h 46 min
